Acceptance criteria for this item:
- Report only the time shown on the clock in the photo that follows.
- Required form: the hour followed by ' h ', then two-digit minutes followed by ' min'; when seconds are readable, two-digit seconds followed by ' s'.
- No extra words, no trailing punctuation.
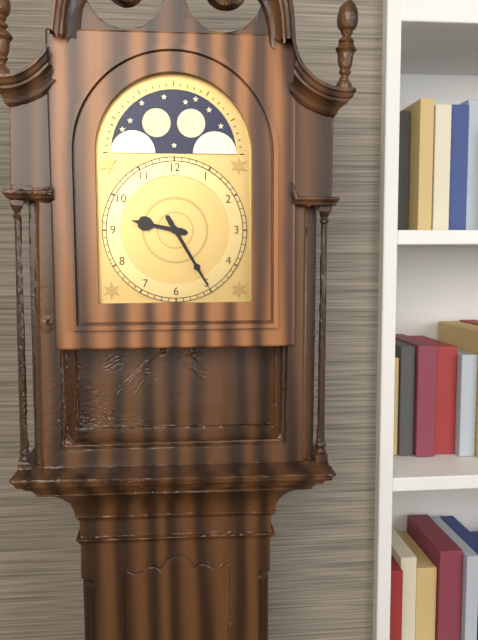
9 h 25 min
